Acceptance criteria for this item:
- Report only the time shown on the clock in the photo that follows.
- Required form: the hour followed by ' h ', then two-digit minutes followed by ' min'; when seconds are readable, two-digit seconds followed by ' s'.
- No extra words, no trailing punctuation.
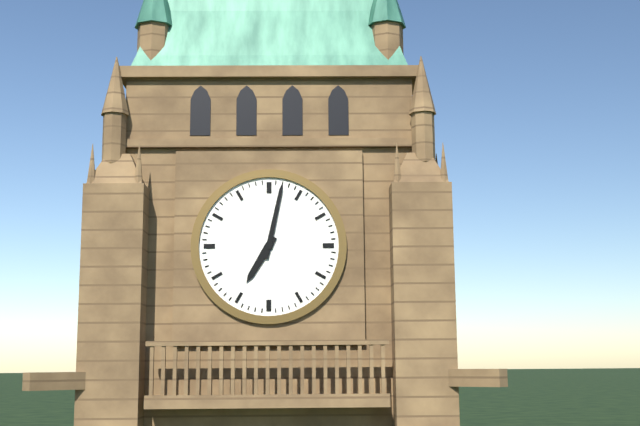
7 h 02 min
